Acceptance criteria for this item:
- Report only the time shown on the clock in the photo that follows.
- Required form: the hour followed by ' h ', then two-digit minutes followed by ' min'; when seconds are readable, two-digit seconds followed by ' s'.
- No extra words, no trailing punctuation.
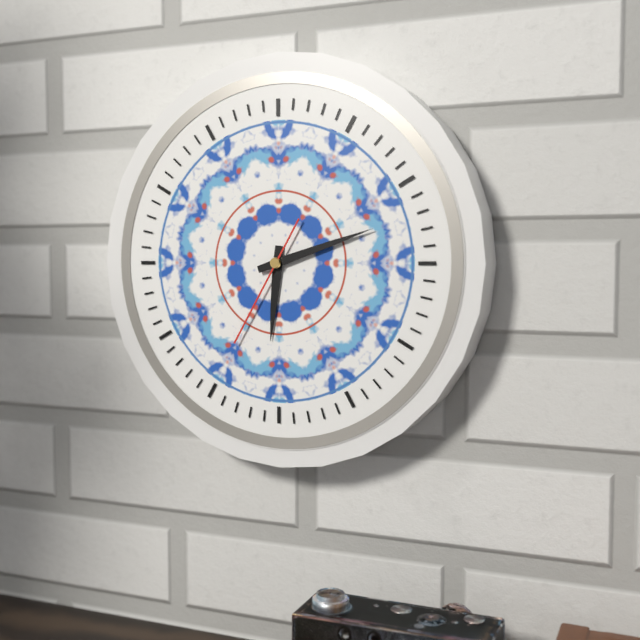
6 h 12 min 35 s
